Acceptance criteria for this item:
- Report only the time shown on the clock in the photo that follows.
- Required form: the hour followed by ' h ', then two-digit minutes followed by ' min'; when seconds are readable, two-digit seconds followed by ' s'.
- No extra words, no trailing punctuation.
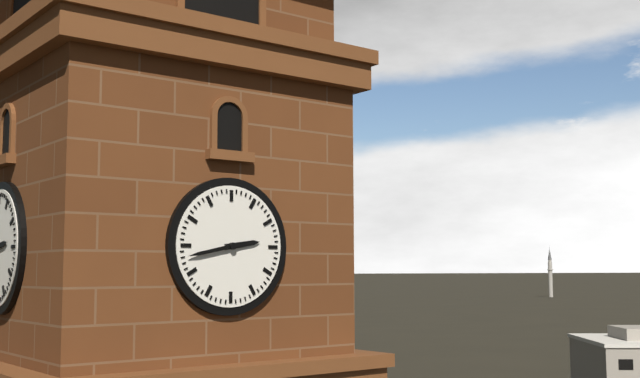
2 h 43 min
